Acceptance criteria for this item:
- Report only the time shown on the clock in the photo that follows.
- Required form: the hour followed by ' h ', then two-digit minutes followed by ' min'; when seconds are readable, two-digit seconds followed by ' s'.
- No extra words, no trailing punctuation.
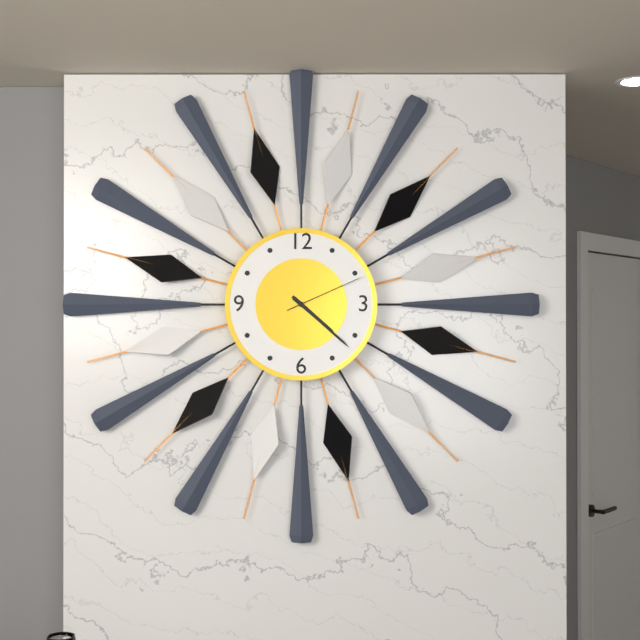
4 h 22 min 11 s
